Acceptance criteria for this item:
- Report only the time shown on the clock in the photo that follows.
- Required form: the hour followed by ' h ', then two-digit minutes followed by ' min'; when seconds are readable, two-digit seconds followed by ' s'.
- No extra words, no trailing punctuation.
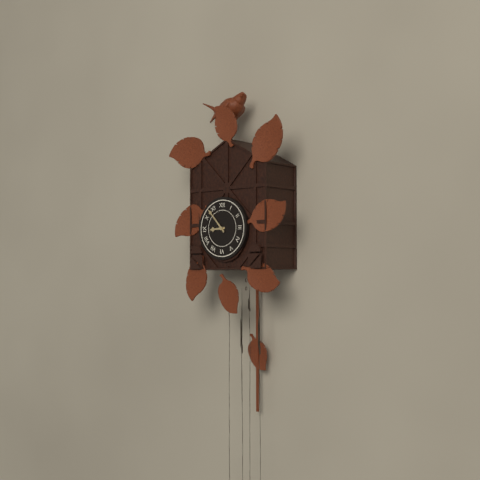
8 h 53 min
